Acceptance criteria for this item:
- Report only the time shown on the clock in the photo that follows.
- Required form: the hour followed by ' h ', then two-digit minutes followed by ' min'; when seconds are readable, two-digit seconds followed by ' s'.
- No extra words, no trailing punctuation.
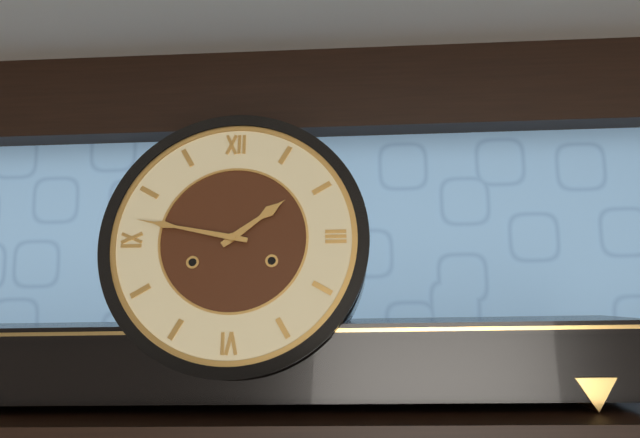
1 h 47 min
